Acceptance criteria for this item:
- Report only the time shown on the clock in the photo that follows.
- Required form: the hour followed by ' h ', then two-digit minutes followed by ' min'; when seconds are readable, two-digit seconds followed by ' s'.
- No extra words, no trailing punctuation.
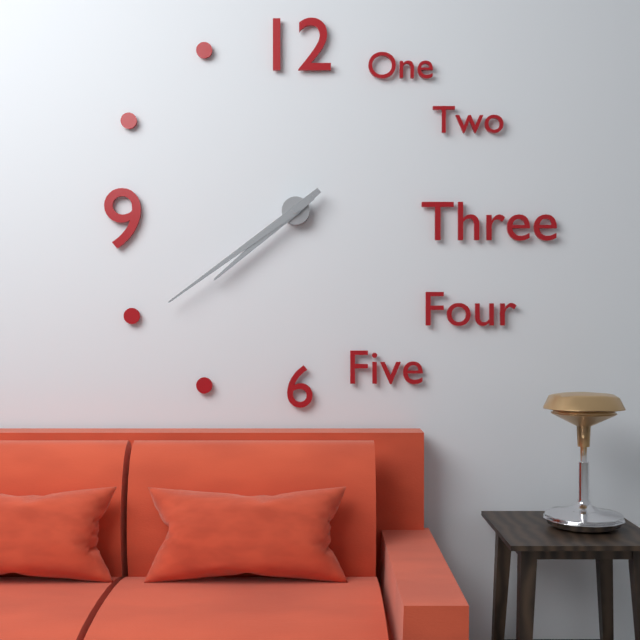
7 h 39 min
